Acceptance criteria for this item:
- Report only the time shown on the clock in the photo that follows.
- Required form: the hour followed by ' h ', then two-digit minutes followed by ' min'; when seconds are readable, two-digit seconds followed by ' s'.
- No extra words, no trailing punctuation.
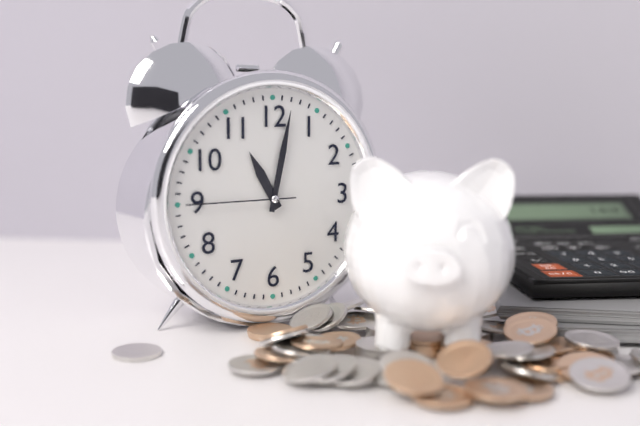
11 h 02 min 45 s
